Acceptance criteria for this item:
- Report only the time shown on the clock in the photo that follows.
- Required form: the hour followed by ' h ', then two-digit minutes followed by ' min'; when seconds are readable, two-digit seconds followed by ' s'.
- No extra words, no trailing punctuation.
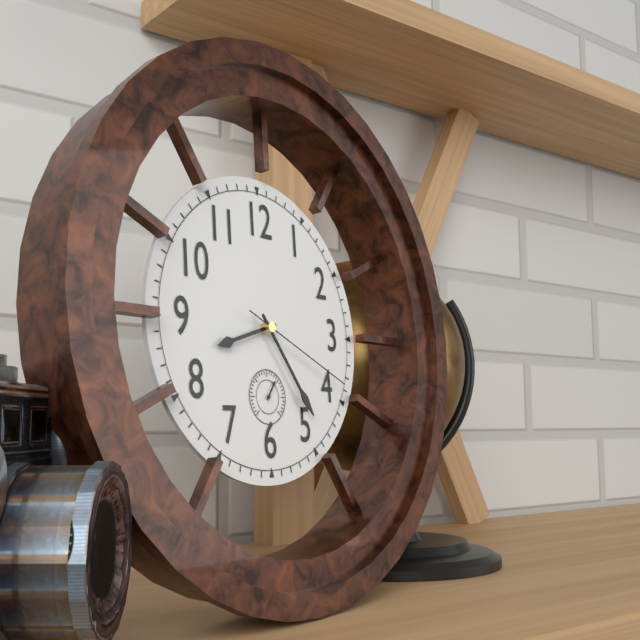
8 h 24 min 19 s
